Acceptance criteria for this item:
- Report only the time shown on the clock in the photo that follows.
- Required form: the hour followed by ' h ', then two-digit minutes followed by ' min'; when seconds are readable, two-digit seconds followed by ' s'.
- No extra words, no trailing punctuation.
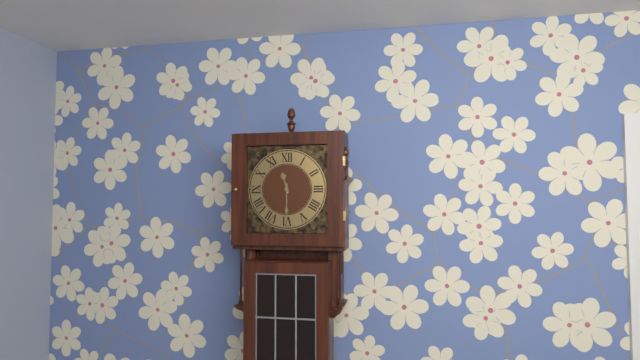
11 h 30 min
